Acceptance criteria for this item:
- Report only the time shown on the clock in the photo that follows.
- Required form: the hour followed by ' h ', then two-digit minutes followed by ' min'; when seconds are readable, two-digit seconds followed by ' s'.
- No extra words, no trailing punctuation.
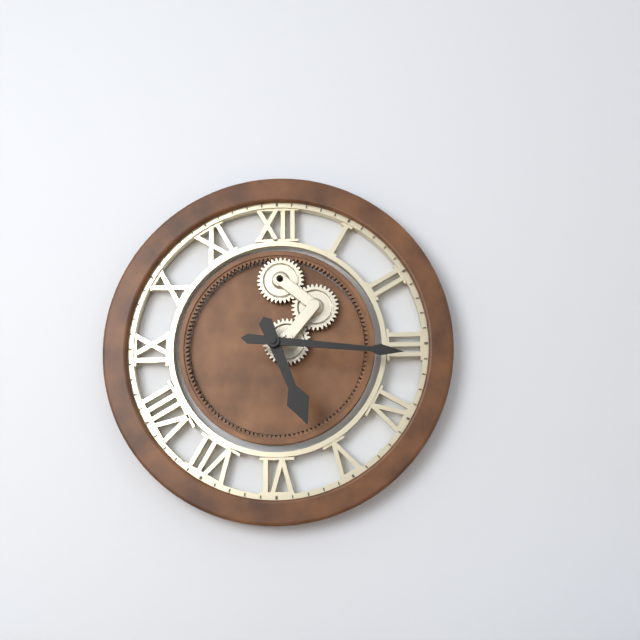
5 h 16 min
